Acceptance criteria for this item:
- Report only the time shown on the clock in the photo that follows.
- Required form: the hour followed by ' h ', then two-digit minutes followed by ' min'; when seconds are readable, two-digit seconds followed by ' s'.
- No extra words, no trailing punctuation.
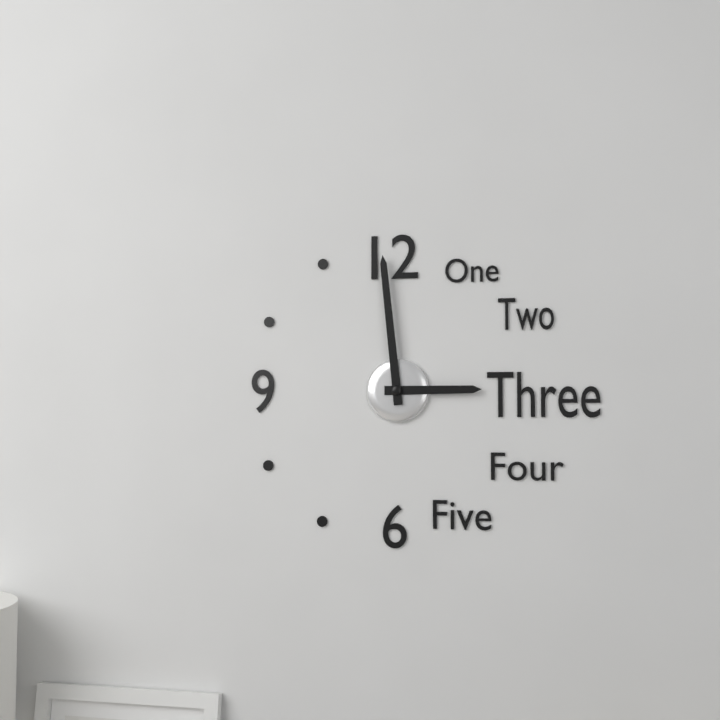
2 h 59 min
